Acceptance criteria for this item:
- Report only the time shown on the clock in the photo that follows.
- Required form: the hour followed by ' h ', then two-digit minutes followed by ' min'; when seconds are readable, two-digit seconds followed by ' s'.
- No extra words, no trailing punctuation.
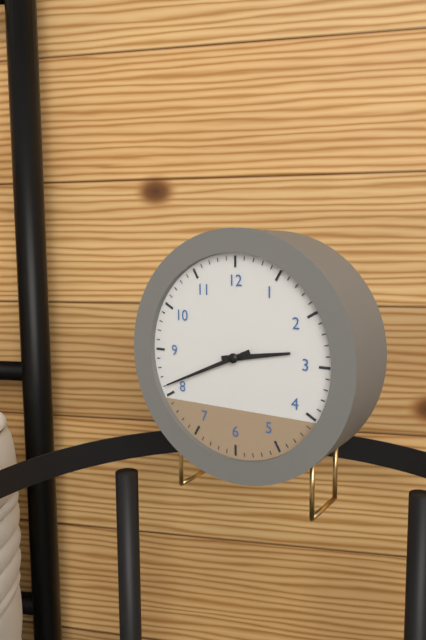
2 h 41 min
